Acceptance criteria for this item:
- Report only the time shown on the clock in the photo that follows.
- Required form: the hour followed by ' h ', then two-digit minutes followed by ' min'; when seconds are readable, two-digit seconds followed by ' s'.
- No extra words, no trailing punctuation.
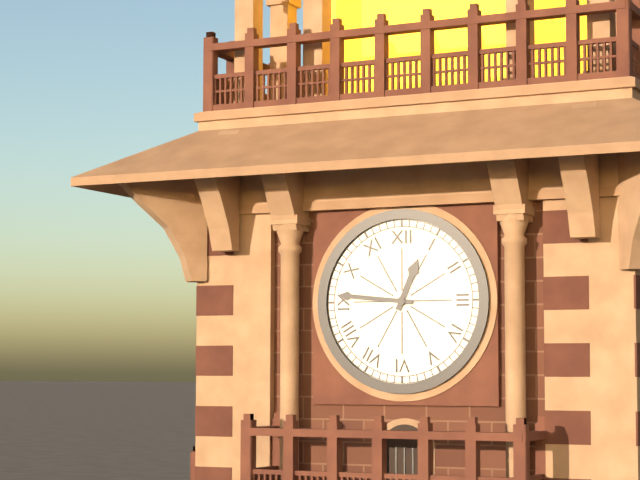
12 h 46 min
